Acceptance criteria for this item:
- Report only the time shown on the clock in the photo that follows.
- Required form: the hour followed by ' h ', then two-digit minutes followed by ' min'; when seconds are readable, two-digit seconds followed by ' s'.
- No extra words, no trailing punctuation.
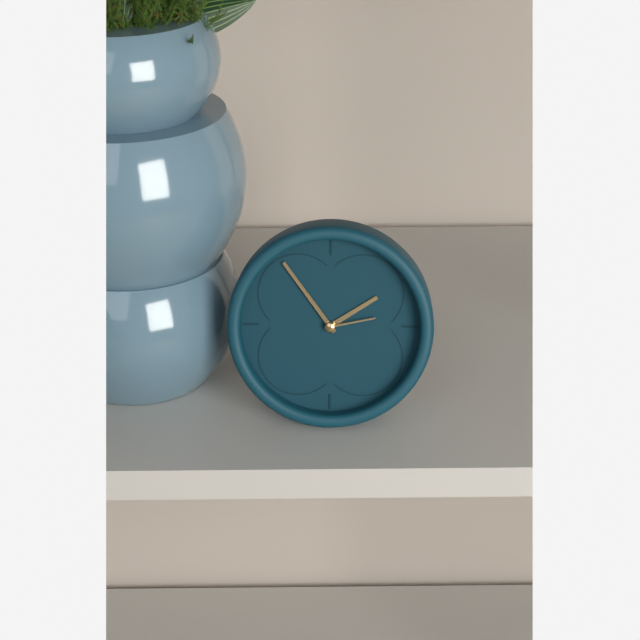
1 h 54 min 13 s
